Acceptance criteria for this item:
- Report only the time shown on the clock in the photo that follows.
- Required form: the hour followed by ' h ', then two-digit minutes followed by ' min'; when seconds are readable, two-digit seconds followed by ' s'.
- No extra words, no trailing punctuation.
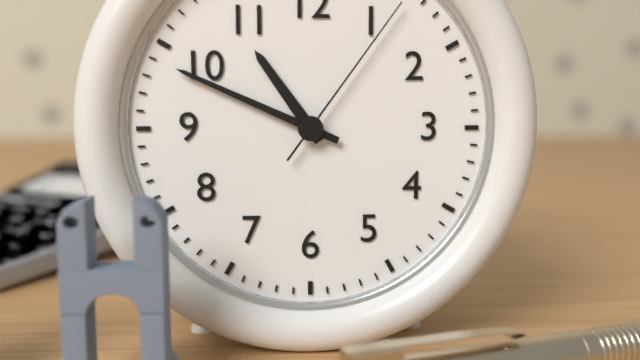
10 h 49 min 06 s
